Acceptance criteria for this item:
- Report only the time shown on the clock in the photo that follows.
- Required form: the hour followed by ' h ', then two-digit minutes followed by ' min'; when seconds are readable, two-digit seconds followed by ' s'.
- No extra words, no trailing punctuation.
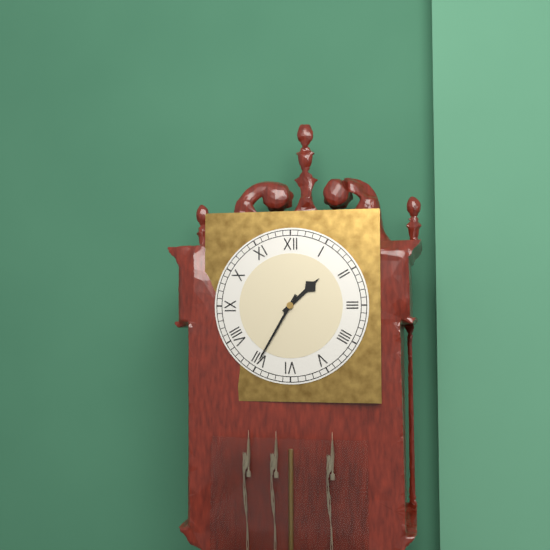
1 h 35 min
